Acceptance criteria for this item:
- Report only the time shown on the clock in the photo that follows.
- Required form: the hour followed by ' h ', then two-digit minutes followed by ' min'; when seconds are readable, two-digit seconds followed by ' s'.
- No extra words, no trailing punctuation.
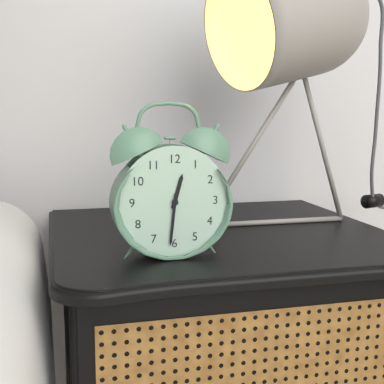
12 h 31 min
